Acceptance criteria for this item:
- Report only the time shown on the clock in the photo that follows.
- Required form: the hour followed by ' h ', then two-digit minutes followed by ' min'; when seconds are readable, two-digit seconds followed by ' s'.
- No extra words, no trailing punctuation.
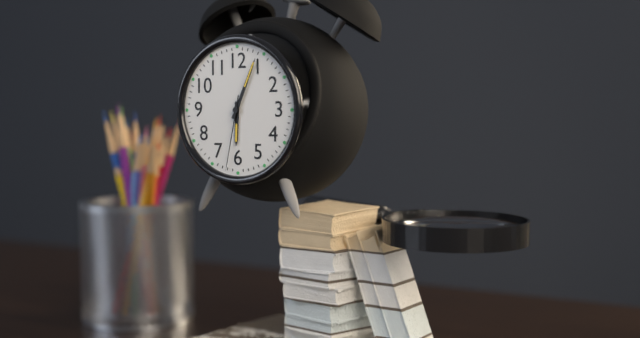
6 h 04 min 32 s
